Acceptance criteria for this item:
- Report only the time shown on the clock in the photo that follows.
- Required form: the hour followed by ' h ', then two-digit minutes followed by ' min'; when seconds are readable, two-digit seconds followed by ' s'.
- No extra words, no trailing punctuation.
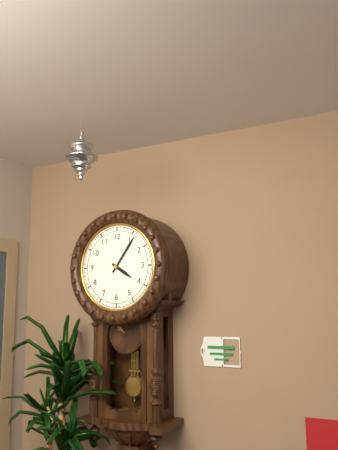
4 h 06 min
